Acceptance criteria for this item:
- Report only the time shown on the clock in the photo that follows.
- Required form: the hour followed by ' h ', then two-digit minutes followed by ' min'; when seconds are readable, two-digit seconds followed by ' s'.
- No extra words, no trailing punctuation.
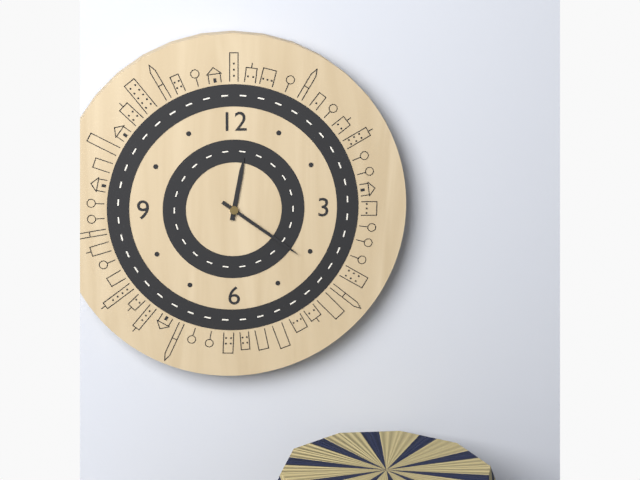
12 h 21 min
